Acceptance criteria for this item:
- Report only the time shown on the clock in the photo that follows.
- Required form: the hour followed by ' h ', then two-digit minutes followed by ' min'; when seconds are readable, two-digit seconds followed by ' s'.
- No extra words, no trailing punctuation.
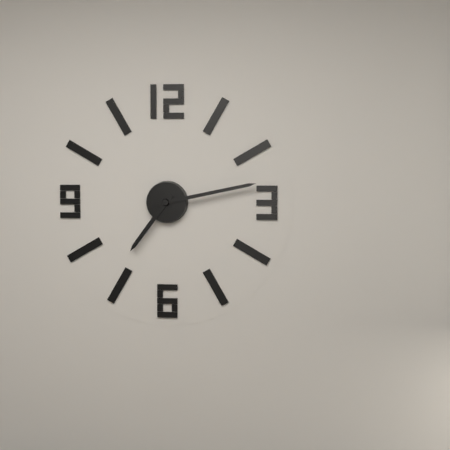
7 h 13 min
